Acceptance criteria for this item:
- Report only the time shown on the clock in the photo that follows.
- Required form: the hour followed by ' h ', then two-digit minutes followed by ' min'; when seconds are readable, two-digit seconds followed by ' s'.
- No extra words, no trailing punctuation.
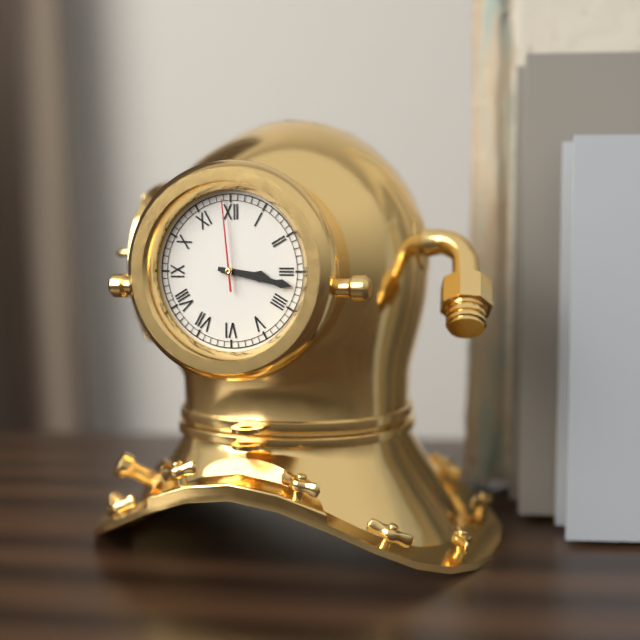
3 h 17 min 59 s
